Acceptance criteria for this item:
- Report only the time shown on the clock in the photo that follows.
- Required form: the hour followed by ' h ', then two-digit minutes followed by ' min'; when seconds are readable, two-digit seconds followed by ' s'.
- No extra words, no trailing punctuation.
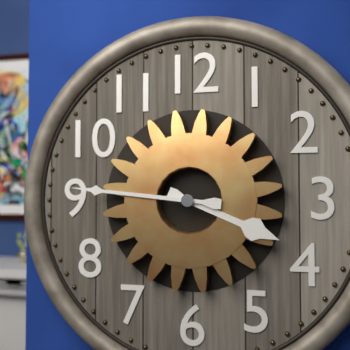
3 h 46 min
